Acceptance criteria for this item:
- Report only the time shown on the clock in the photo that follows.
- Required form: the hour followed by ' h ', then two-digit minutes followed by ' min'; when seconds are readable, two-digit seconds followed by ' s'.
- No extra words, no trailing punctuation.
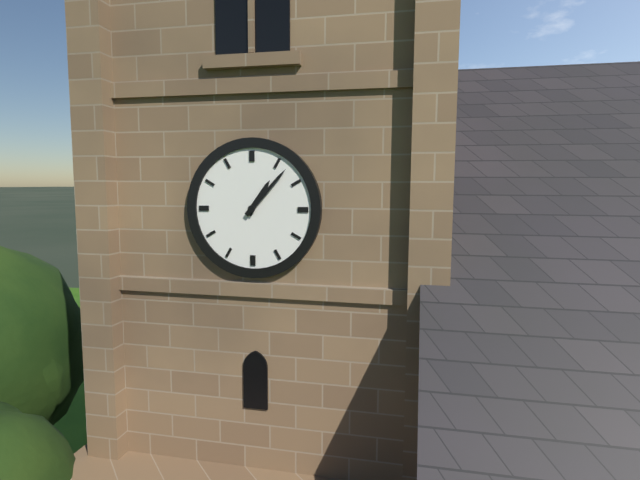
1 h 07 min
